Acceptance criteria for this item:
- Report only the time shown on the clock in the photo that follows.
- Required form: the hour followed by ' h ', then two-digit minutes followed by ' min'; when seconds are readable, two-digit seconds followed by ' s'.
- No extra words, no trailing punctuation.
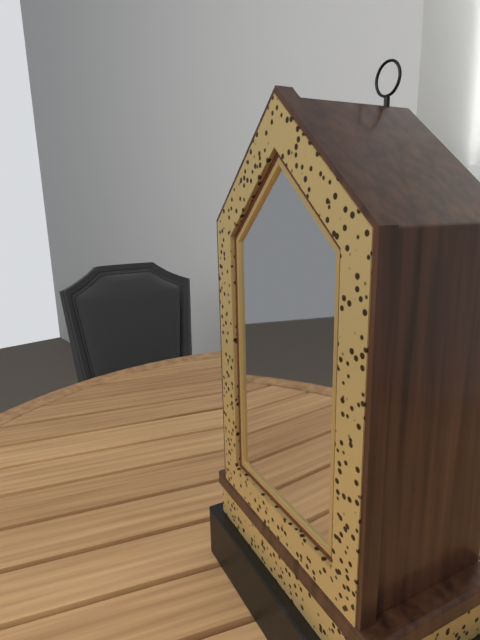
9 h 19 min
